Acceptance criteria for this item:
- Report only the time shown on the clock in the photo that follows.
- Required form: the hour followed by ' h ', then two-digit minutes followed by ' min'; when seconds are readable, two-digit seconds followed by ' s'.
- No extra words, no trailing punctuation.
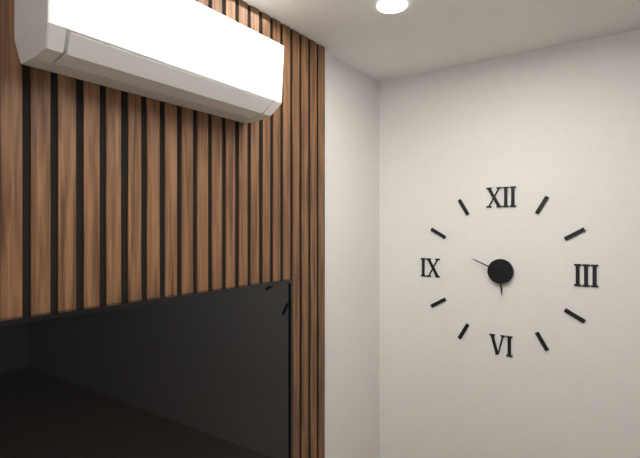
5 h 49 min
